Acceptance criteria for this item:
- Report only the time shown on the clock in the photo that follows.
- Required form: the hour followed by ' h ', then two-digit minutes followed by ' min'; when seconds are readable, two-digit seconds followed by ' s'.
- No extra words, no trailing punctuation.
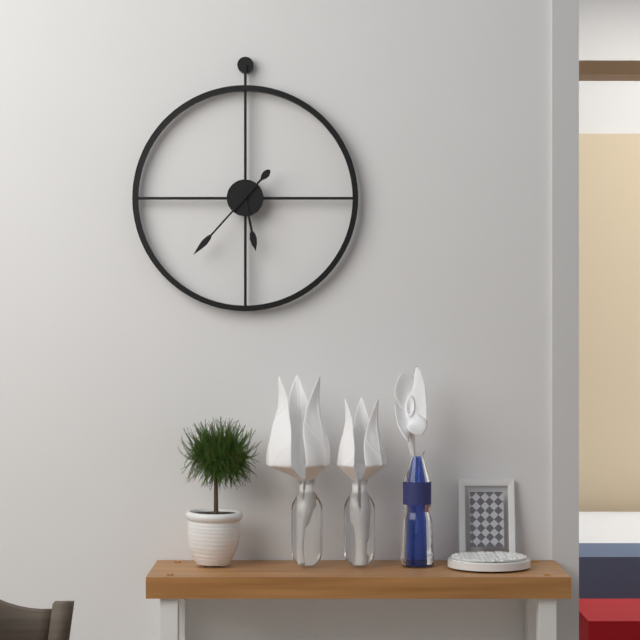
5 h 37 min
